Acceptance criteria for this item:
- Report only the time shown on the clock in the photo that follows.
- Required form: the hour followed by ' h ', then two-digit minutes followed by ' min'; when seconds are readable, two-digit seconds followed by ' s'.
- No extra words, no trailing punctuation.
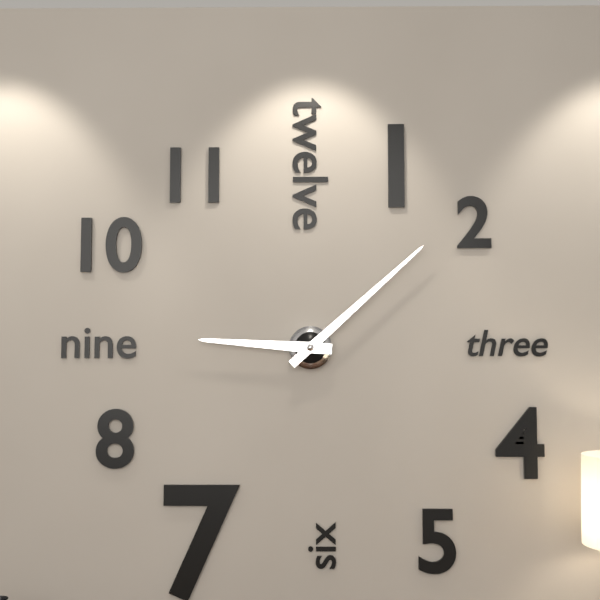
9 h 08 min
